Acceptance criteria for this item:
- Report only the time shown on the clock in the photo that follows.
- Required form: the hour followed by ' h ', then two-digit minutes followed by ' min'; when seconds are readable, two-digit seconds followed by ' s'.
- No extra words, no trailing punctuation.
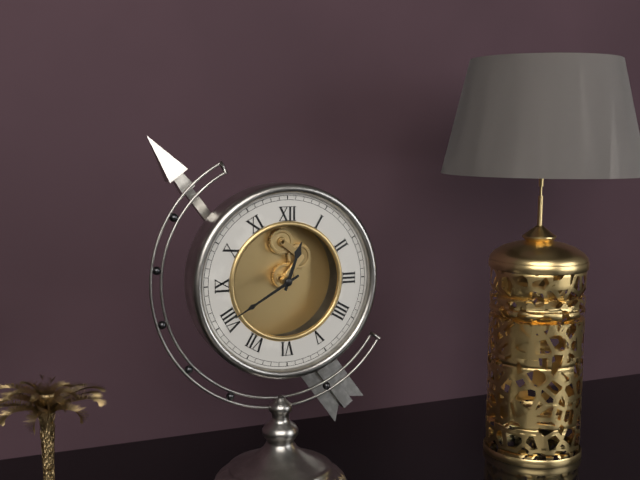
12 h 40 min
